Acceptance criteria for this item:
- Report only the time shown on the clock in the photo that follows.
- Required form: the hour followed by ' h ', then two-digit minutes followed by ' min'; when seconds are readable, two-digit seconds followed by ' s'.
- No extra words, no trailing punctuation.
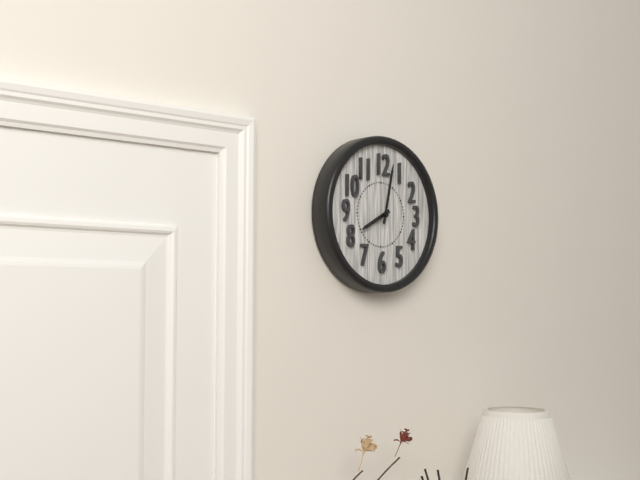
8 h 02 min
